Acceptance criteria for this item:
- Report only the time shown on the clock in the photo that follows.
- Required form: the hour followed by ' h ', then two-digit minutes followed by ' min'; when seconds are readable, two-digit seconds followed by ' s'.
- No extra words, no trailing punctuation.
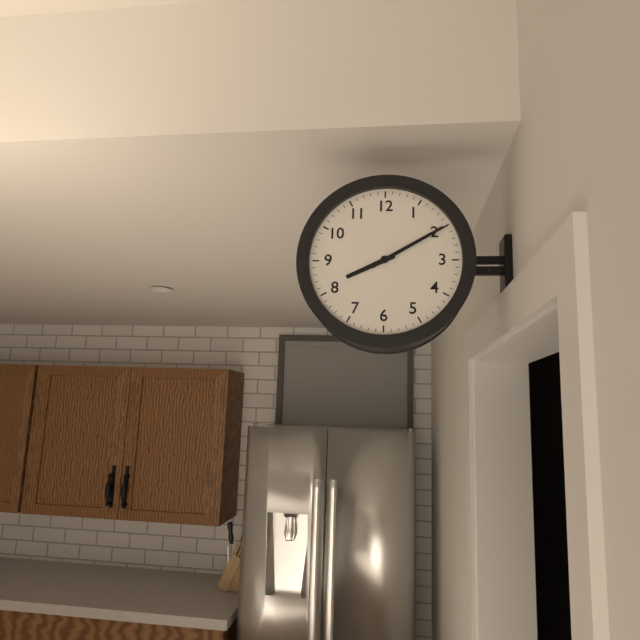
8 h 10 min
